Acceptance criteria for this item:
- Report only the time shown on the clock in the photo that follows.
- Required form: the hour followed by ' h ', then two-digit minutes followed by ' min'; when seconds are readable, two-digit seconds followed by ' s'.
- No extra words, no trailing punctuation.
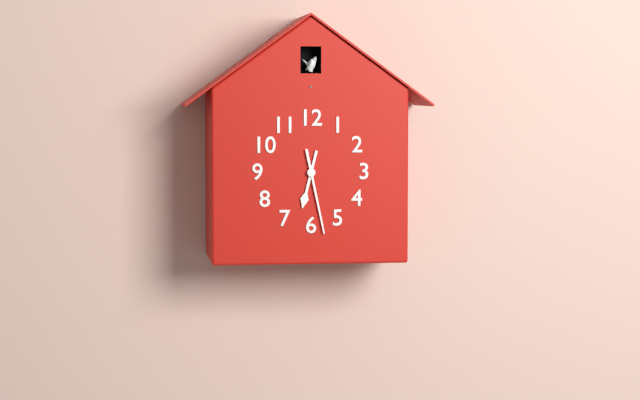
6 h 28 min
